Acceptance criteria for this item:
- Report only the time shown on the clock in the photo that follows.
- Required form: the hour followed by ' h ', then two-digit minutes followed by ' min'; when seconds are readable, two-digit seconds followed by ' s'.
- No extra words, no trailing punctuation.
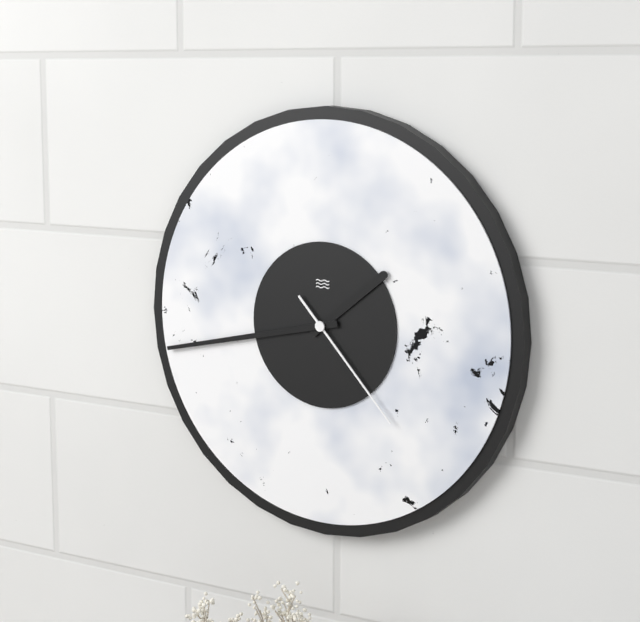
1 h 43 min 23 s
